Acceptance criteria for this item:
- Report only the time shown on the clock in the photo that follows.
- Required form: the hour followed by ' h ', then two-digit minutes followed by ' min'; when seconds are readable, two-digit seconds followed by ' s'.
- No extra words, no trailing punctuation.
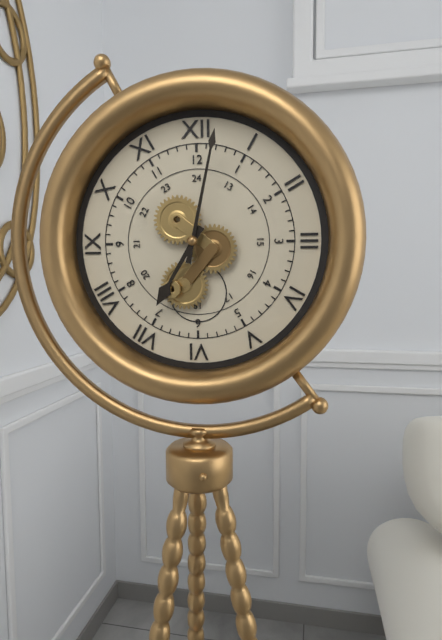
7 h 02 min
